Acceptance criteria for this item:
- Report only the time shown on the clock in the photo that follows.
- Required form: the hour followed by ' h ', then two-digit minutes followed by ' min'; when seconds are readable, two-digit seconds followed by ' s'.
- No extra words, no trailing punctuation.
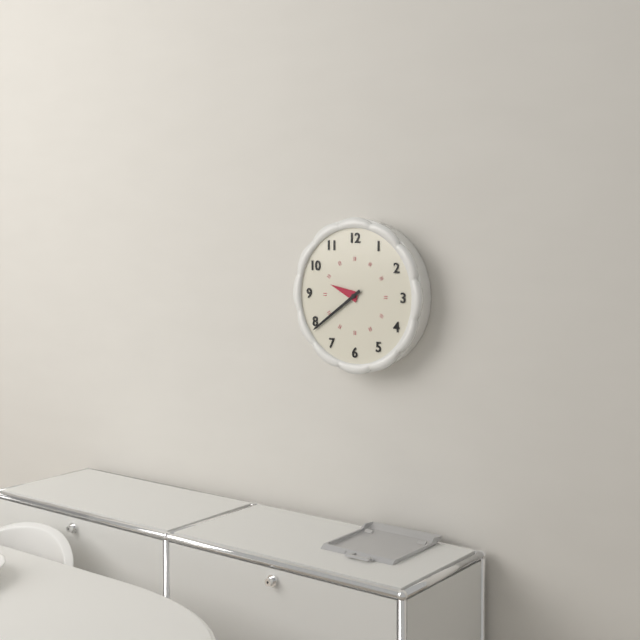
9 h 39 min
